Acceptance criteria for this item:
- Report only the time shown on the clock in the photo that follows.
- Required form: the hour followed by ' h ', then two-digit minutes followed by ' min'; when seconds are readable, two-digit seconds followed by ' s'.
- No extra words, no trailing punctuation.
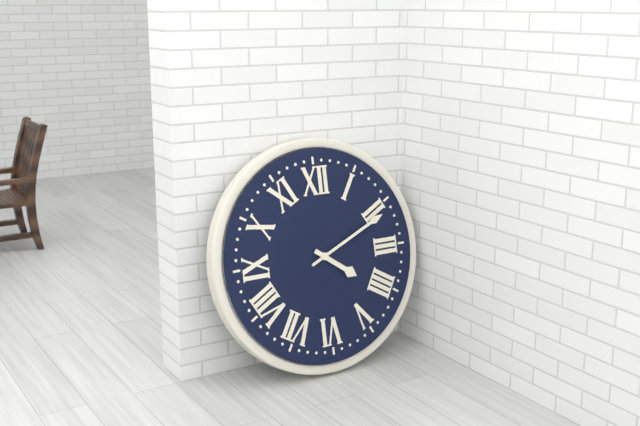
4 h 11 min
